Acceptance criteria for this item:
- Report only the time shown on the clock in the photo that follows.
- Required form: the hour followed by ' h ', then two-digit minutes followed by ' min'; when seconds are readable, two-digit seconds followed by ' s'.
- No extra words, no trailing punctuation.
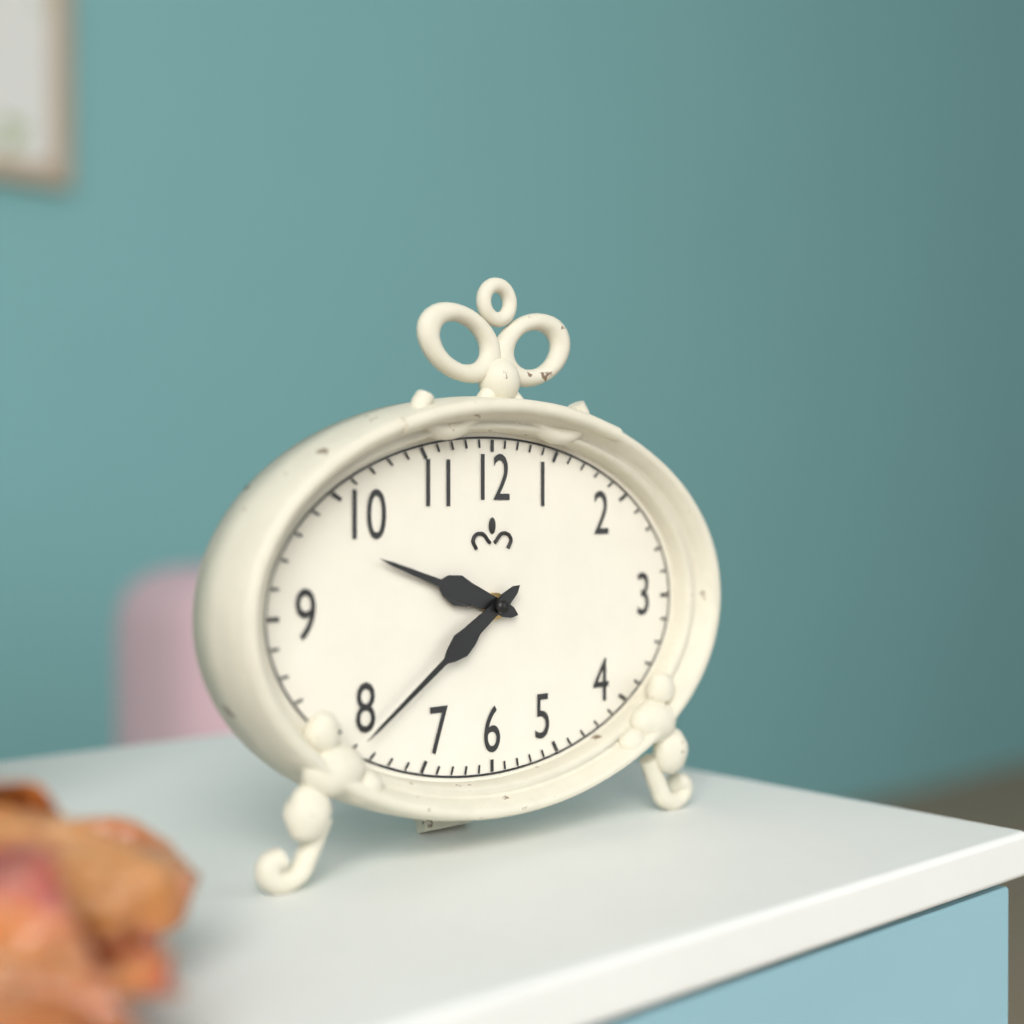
9 h 39 min
